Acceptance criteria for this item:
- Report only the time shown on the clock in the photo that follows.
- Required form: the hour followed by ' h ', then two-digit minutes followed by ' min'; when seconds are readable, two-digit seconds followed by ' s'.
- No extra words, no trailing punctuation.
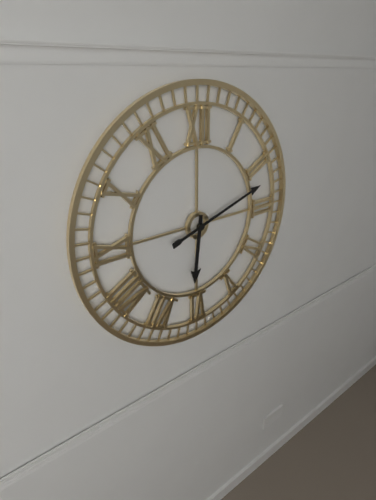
6 h 12 min
